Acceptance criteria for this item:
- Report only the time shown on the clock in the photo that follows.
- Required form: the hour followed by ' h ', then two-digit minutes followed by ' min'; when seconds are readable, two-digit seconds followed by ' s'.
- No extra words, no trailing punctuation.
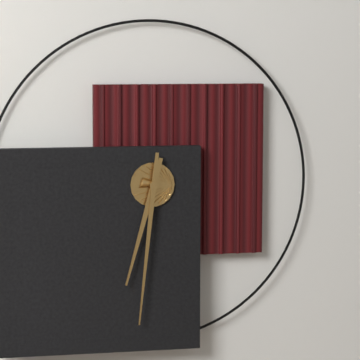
6 h 31 min
